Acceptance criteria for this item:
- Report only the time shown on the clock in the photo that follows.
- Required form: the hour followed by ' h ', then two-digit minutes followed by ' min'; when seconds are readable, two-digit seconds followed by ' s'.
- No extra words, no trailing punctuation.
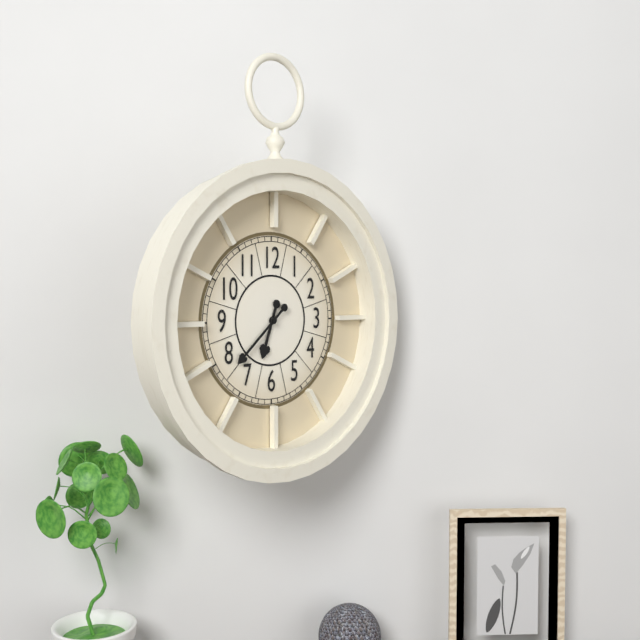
6 h 38 min
